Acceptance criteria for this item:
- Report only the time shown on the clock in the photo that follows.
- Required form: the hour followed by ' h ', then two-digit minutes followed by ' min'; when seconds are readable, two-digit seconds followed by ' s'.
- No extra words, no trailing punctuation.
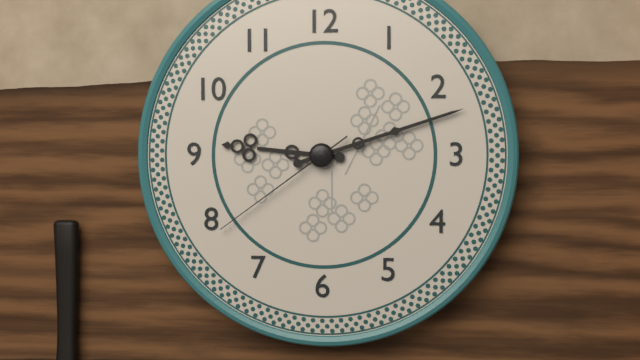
9 h 12 min 39 s
